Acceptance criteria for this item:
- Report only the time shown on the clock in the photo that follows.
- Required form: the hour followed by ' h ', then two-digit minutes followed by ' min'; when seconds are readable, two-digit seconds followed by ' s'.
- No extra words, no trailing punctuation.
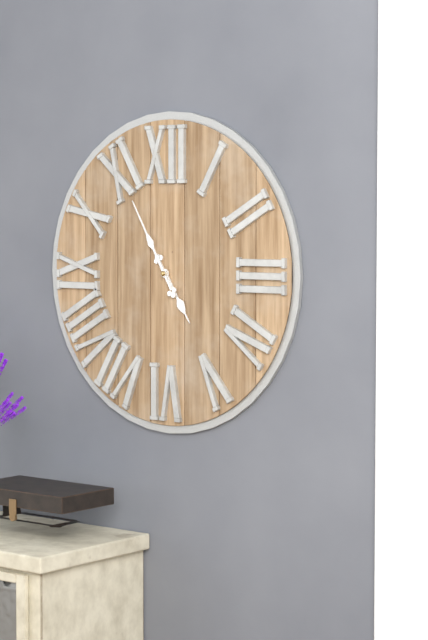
4 h 55 min
